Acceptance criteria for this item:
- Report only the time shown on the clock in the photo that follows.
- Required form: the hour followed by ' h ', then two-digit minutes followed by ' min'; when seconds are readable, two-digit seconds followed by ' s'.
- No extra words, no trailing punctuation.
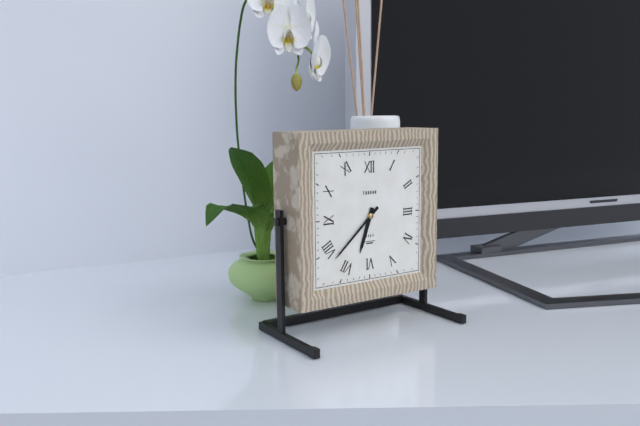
6 h 38 min
